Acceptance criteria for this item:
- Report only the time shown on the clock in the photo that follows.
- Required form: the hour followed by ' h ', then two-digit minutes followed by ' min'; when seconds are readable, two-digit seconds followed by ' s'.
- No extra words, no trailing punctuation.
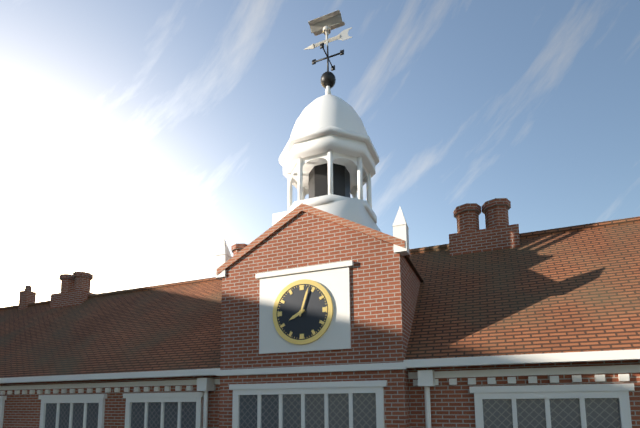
8 h 03 min
